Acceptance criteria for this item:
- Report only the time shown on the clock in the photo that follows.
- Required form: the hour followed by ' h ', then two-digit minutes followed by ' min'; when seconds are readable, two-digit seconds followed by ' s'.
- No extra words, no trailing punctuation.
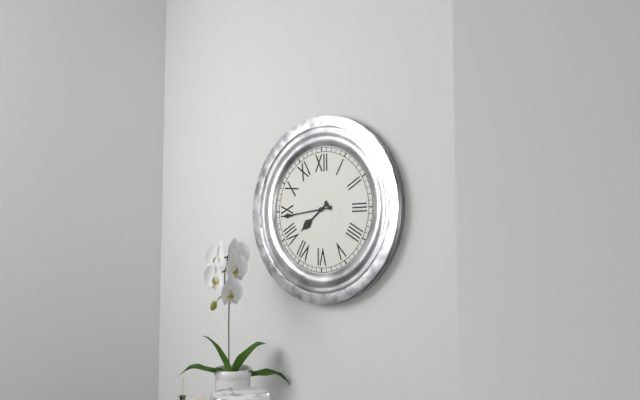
7 h 44 min
